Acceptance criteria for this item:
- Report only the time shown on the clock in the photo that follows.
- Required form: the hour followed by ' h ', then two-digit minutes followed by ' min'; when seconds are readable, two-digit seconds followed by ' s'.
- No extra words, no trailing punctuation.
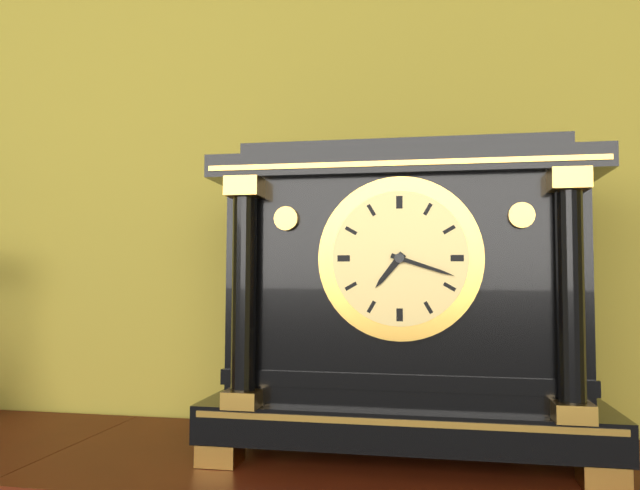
7 h 18 min
